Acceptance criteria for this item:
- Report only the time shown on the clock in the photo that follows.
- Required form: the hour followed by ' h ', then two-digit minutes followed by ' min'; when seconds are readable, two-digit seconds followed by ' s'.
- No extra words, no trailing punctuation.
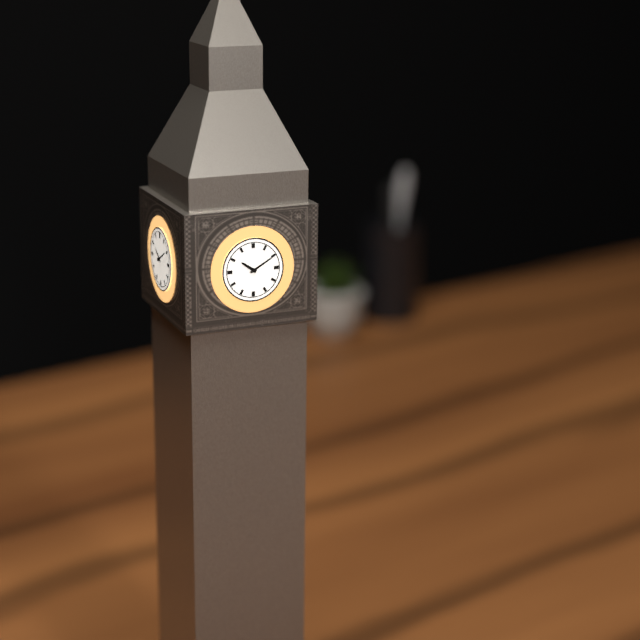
10 h 10 min
